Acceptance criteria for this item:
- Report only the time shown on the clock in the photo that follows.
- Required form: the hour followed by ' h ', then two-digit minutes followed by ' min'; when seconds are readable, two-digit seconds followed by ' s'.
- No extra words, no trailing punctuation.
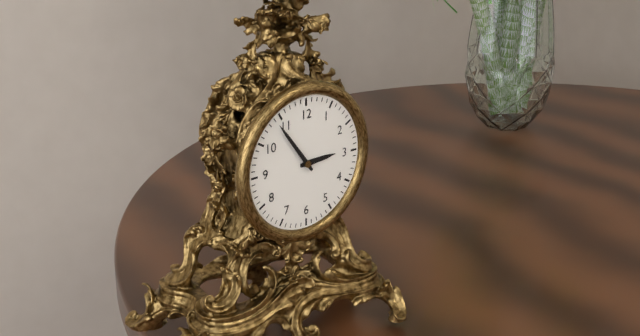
2 h 54 min
